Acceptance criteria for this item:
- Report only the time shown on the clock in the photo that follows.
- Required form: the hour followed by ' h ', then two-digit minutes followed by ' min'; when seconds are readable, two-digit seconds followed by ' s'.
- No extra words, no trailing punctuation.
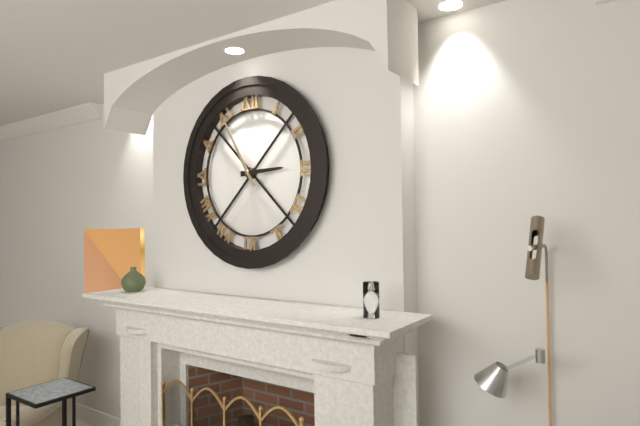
2 h 55 min
